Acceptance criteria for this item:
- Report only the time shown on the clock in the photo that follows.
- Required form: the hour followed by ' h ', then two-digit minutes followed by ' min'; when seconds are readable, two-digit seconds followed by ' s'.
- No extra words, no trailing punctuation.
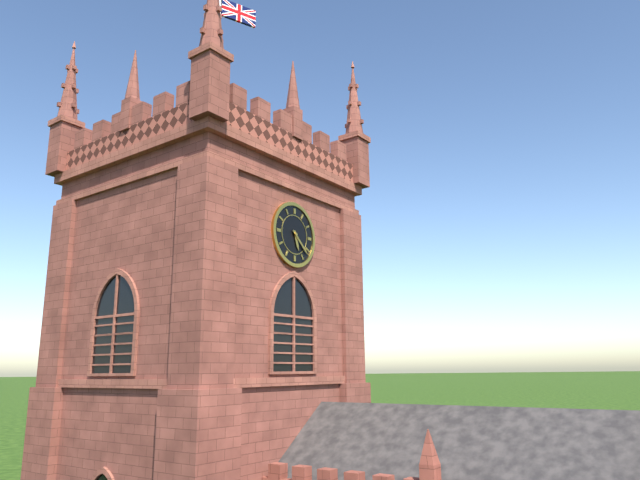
5 h 22 min
